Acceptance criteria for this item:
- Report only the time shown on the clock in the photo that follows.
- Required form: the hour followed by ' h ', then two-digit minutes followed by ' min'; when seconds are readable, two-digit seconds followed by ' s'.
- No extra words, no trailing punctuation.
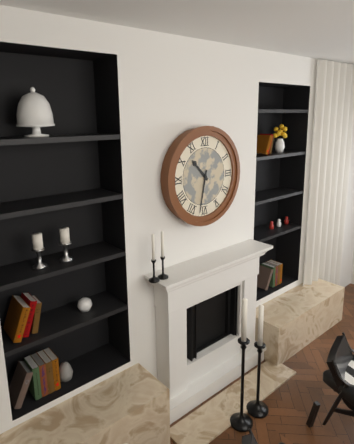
10 h 32 min
